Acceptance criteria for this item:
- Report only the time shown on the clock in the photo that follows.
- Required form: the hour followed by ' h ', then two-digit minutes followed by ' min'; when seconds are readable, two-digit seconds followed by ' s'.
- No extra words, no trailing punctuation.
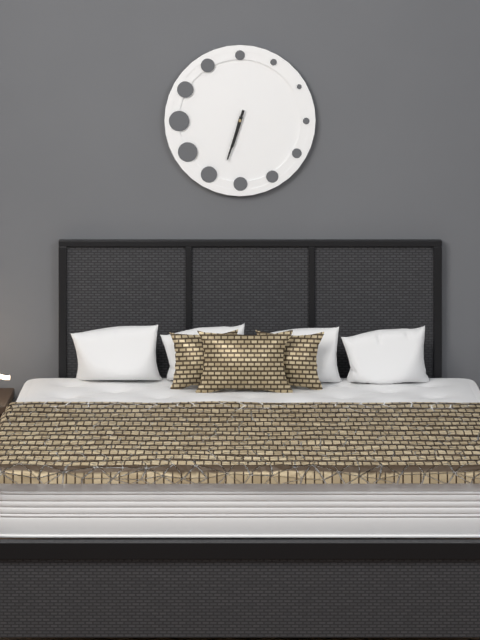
6 h 33 min
